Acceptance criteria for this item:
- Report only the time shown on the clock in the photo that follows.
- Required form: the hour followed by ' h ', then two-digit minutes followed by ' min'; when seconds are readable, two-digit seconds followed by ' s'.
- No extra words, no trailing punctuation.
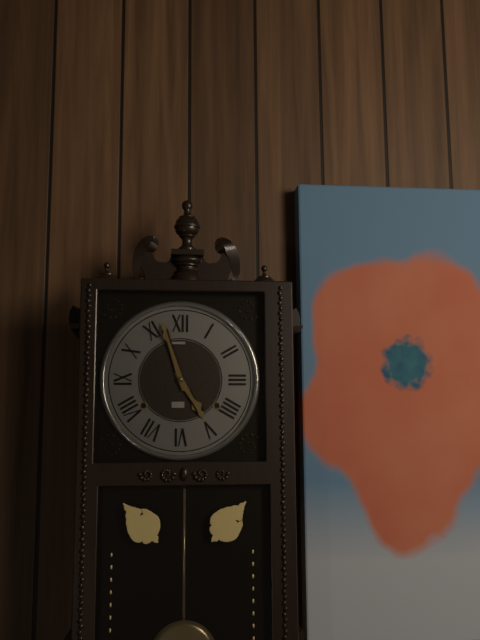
4 h 57 min
